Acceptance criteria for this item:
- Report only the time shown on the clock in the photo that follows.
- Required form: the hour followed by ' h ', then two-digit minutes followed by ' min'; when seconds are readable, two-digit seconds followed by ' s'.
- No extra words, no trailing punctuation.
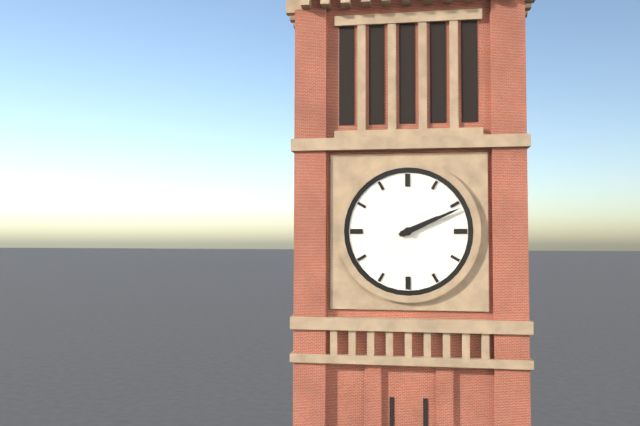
2 h 11 min
